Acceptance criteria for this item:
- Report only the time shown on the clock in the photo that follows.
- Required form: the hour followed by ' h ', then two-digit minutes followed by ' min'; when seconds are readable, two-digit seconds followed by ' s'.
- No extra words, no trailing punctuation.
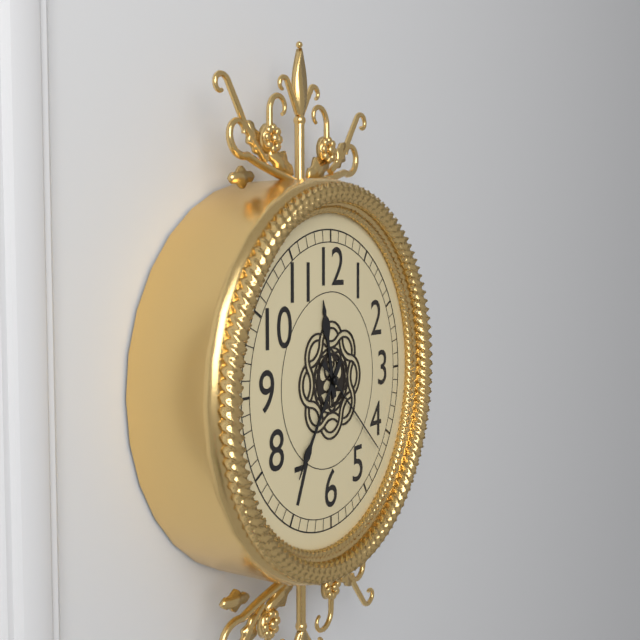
11 h 36 min 22 s
